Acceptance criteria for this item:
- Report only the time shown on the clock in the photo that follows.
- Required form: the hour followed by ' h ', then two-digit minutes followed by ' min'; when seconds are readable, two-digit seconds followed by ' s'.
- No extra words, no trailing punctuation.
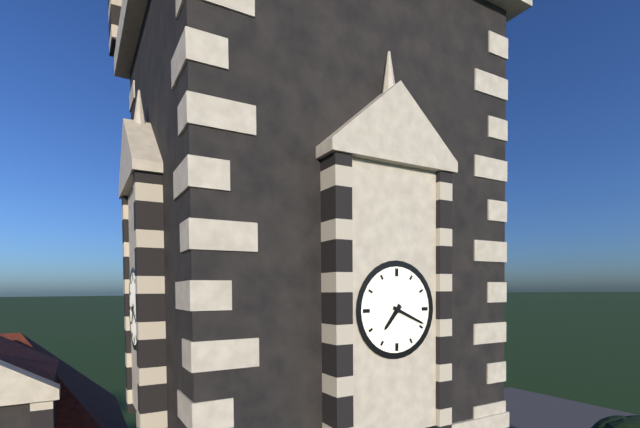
7 h 19 min
